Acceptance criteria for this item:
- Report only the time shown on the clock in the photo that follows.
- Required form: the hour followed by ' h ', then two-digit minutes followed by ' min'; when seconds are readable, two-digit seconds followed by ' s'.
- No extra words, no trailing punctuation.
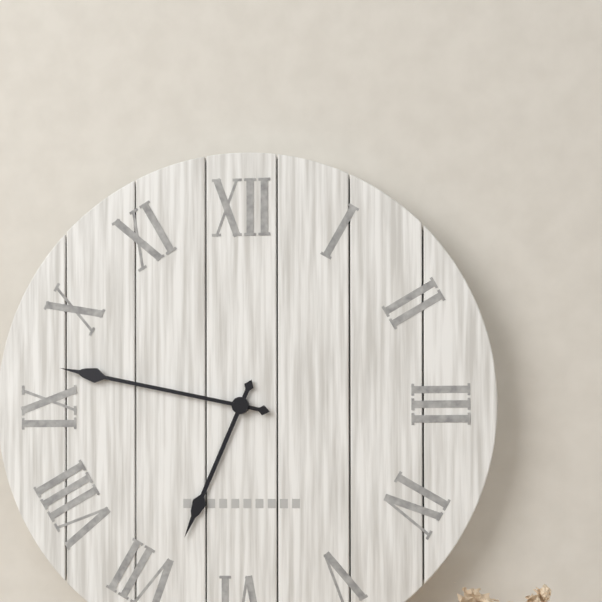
6 h 47 min
